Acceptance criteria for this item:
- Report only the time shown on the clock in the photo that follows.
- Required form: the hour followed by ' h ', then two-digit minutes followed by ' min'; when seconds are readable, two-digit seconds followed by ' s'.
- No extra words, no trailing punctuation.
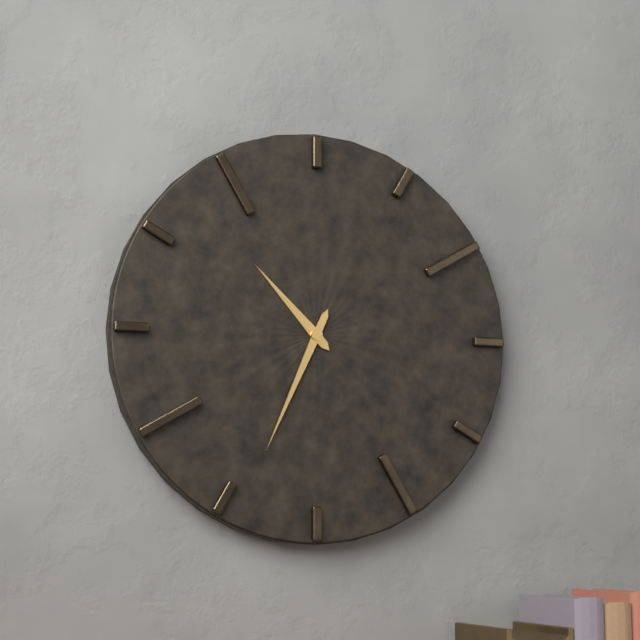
10 h 34 min
